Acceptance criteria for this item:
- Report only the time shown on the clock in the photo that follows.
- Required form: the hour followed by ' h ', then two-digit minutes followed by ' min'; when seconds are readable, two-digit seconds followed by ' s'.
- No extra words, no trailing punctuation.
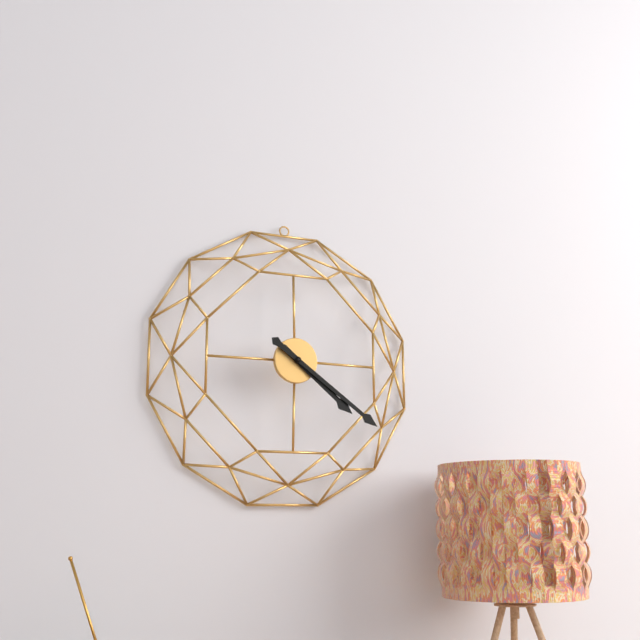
4 h 21 min
